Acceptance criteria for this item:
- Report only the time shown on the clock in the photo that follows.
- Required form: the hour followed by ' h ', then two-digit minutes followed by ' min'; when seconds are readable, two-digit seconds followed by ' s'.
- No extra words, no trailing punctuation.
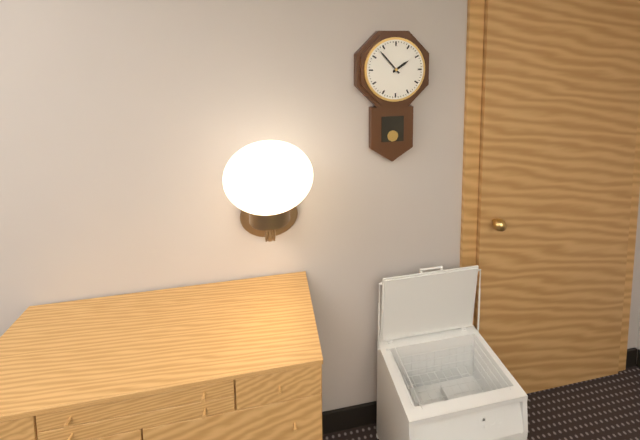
1 h 53 min
